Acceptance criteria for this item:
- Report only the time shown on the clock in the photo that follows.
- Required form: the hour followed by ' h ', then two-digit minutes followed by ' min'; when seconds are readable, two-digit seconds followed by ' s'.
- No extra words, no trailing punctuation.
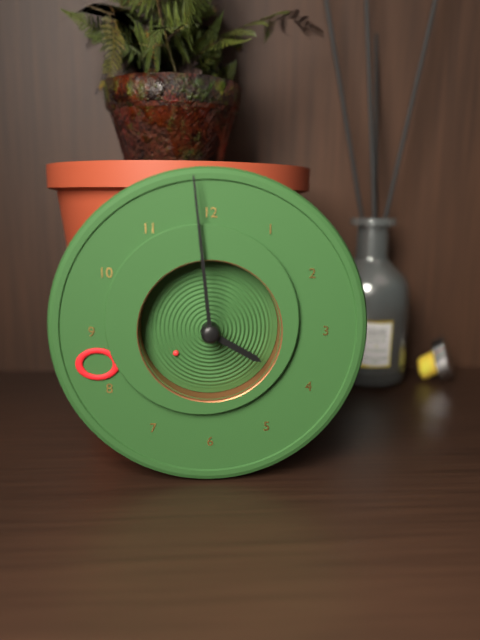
3 h 59 min 39 s
